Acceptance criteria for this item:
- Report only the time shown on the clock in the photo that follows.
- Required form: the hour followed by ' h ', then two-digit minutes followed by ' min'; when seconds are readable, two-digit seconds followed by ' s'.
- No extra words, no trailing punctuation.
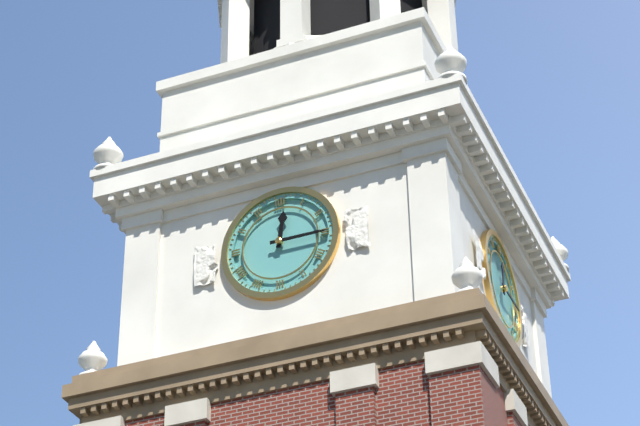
12 h 15 min
